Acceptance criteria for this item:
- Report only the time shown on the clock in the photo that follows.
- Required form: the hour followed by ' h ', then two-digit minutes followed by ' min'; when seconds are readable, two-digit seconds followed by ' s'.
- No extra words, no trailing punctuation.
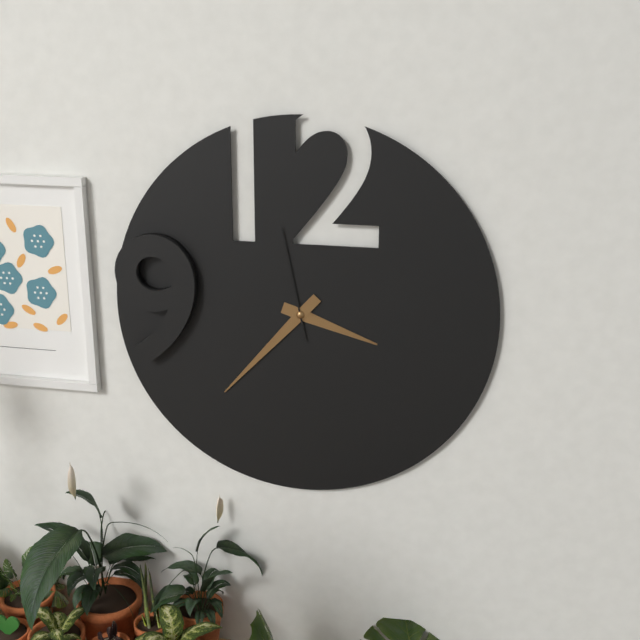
3 h 37 min 58 s
